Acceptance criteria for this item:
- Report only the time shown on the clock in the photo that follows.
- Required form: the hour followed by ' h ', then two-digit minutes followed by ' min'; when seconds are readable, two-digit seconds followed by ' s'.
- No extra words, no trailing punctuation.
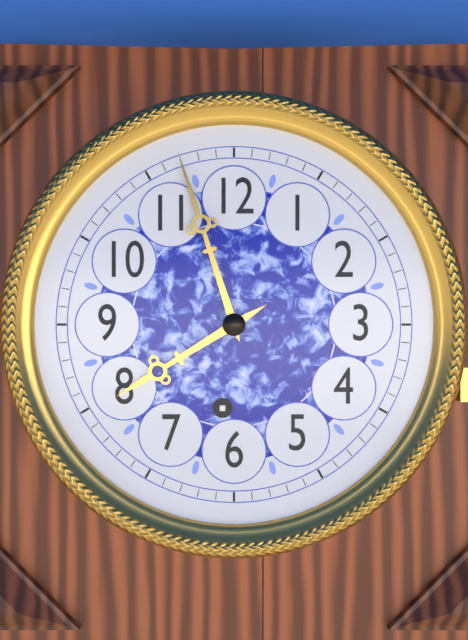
7 h 57 min
